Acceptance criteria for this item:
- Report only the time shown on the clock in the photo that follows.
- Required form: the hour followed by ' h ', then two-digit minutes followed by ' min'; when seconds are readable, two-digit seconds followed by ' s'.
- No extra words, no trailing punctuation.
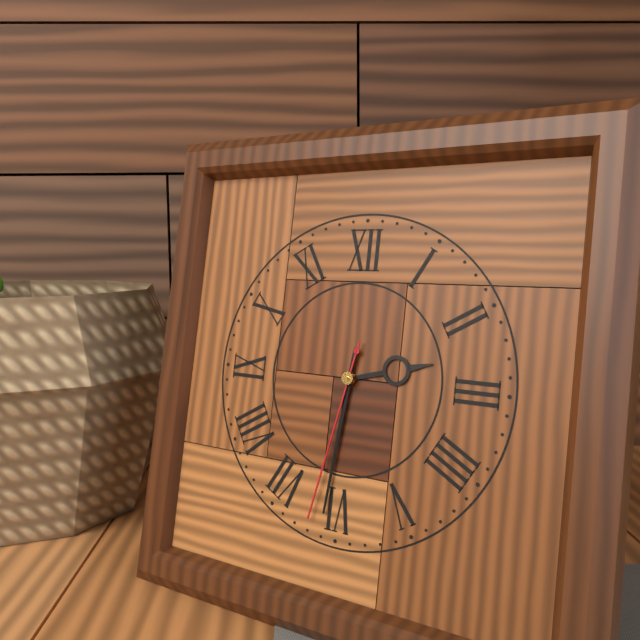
2 h 31 min 32 s
